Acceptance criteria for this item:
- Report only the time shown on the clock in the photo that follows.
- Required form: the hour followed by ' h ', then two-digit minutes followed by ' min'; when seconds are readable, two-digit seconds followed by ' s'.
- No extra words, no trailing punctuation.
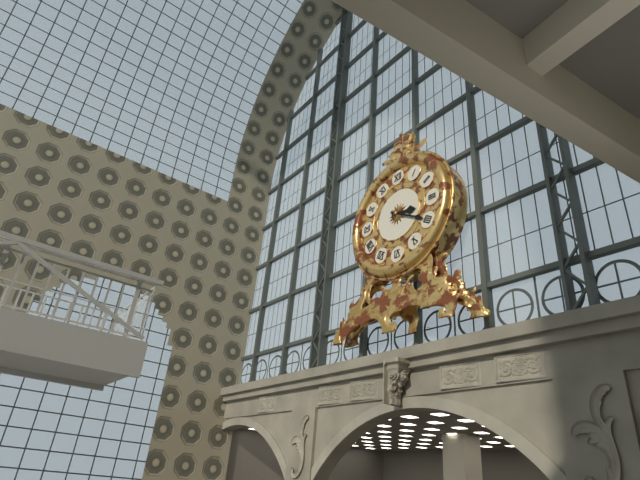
3 h 20 min
